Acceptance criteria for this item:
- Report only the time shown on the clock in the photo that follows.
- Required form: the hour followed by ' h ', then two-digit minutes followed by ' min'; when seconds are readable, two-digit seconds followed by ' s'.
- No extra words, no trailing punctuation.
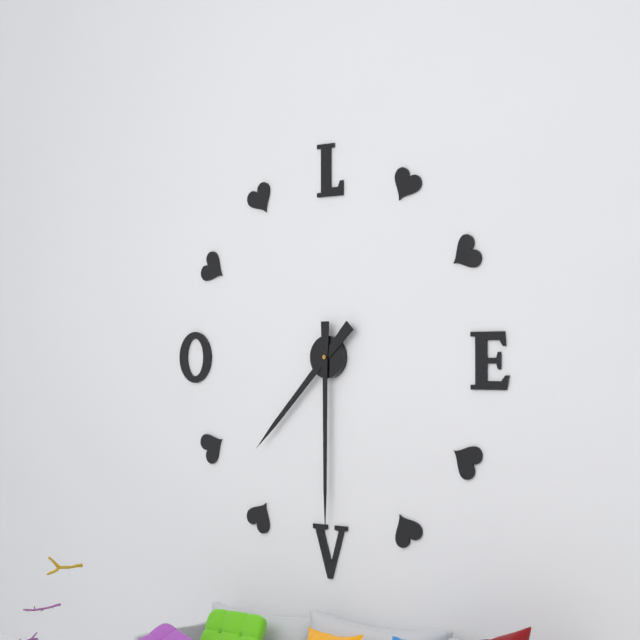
7 h 30 min
